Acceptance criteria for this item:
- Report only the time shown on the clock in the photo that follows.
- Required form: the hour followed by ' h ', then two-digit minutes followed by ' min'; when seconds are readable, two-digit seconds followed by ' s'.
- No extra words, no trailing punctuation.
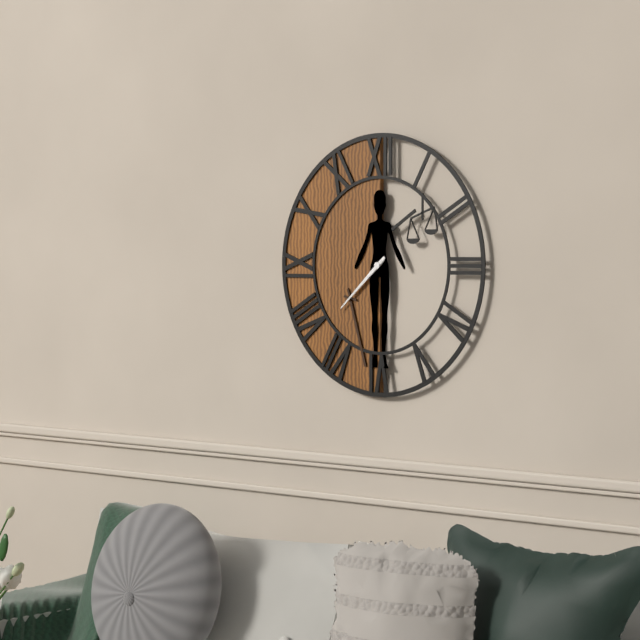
7 h 38 min
